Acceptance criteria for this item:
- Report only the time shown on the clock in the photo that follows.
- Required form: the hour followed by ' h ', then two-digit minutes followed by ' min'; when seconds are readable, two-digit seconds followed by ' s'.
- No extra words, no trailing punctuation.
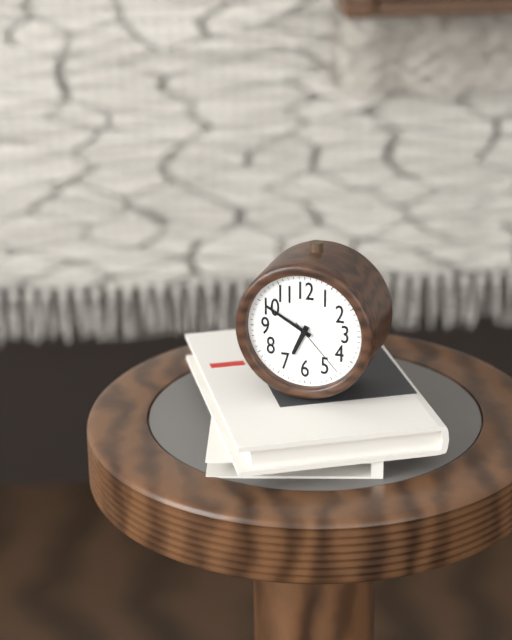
6 h 50 min 23 s
